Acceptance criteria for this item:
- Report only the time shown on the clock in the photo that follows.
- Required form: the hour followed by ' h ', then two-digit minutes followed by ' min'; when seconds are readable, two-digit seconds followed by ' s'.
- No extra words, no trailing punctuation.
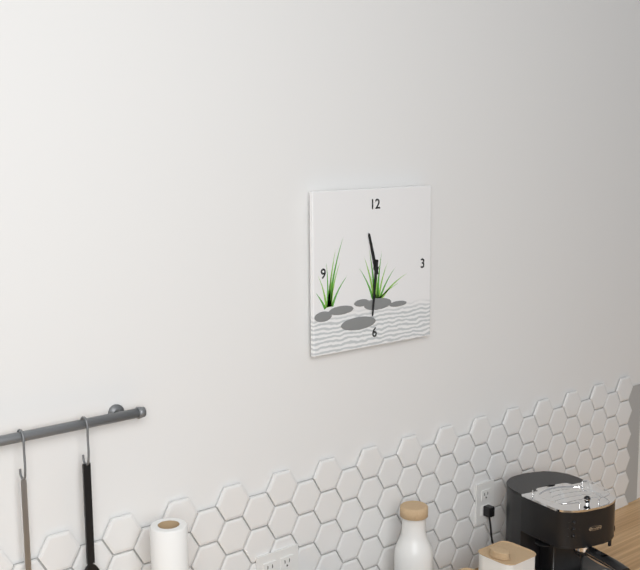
11 h 31 min
